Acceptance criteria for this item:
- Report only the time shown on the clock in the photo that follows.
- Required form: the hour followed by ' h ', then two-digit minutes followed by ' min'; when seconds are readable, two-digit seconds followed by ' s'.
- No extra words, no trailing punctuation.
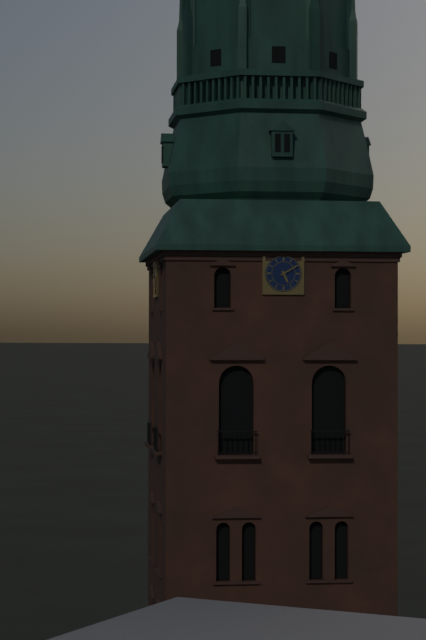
5 h 10 min
